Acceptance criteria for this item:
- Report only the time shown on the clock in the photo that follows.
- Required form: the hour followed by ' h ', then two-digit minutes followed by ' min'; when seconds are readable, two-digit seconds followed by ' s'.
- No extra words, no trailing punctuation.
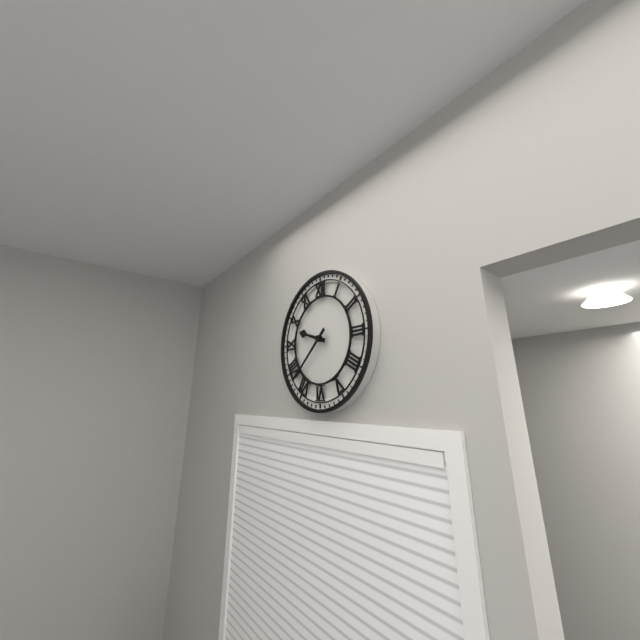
9 h 38 min
